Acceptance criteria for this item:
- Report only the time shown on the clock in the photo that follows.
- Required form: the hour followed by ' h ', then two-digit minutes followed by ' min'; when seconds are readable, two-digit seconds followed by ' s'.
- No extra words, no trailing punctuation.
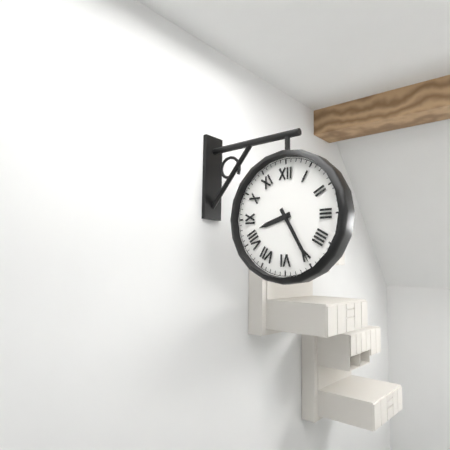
8 h 25 min
